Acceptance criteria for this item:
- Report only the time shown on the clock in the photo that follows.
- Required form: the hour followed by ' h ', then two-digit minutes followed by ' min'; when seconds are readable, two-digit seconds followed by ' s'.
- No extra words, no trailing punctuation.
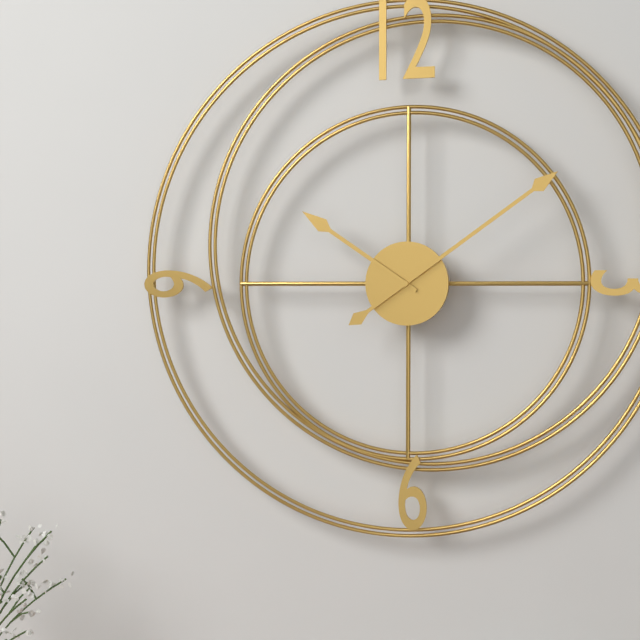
10 h 09 min
